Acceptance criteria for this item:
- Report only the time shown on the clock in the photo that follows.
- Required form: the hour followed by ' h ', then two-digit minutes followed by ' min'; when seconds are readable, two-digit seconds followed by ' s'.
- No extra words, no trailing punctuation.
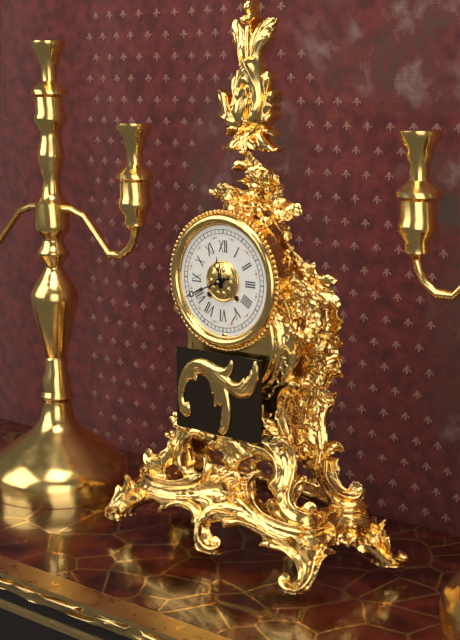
11 h 41 min
